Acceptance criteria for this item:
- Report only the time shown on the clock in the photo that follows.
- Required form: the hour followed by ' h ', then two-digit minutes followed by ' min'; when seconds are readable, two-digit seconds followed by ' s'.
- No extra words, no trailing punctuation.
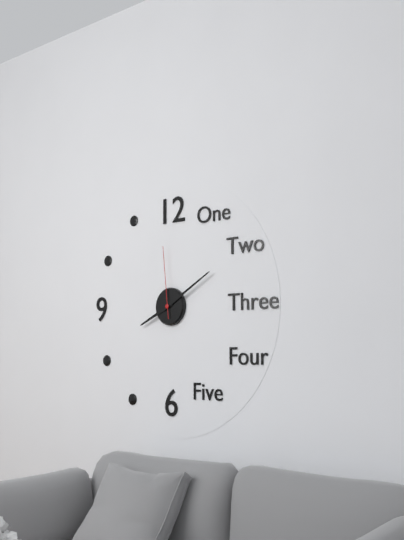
8 h 10 min 59 s
